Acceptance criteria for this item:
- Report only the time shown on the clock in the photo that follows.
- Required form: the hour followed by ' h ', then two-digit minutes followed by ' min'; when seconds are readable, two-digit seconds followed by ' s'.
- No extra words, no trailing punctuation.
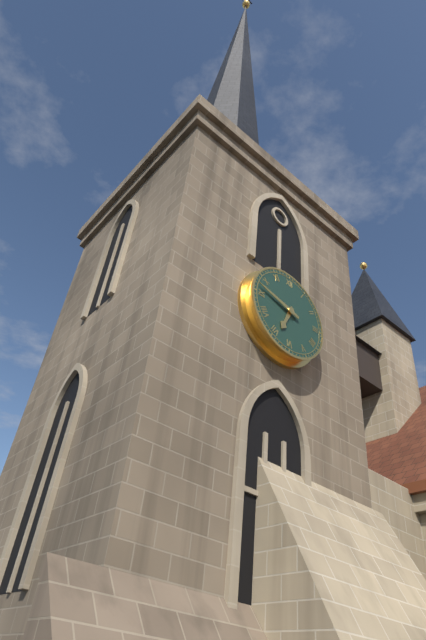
6 h 47 min
